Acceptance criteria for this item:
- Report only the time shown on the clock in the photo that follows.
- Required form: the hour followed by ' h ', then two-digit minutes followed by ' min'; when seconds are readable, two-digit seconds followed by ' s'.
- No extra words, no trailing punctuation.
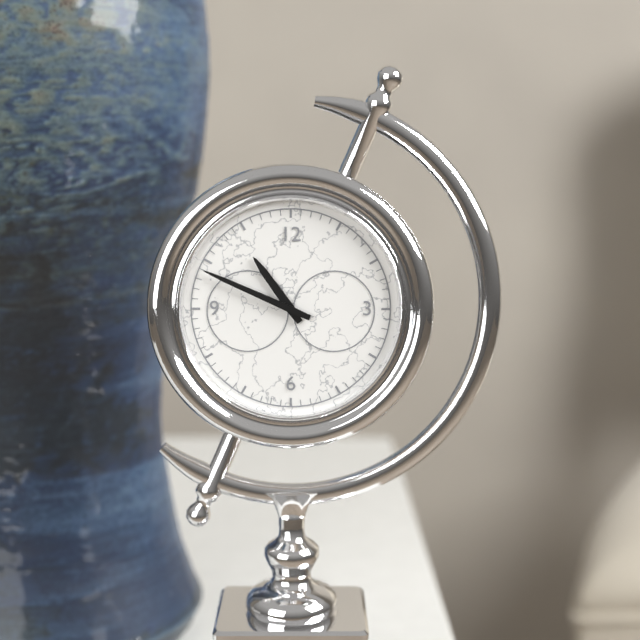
10 h 49 min
